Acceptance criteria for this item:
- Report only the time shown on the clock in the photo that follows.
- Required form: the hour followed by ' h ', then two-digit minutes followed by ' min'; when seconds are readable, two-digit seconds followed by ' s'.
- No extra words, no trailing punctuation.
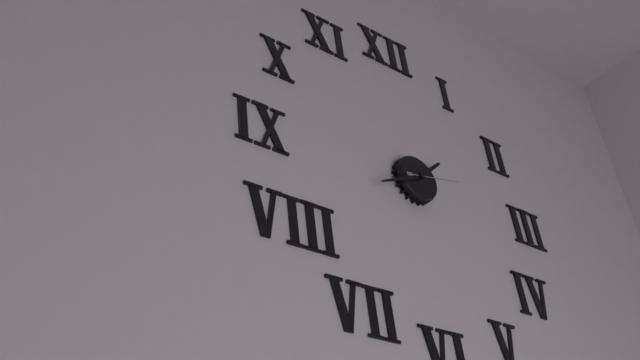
1 h 41 min 13 s
